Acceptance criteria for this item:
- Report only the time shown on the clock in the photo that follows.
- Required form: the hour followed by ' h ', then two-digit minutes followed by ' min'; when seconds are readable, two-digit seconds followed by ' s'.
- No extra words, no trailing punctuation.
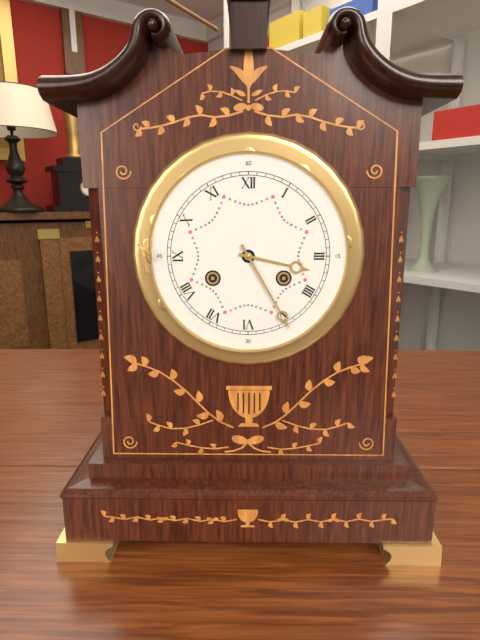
3 h 25 min
